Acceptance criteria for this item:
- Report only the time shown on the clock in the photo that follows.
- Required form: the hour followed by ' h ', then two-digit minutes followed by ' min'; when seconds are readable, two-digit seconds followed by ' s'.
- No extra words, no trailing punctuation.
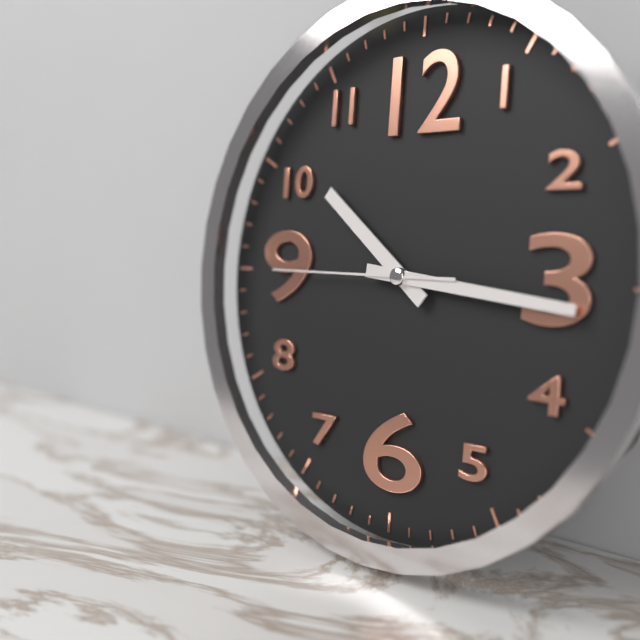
10 h 16 min 45 s
